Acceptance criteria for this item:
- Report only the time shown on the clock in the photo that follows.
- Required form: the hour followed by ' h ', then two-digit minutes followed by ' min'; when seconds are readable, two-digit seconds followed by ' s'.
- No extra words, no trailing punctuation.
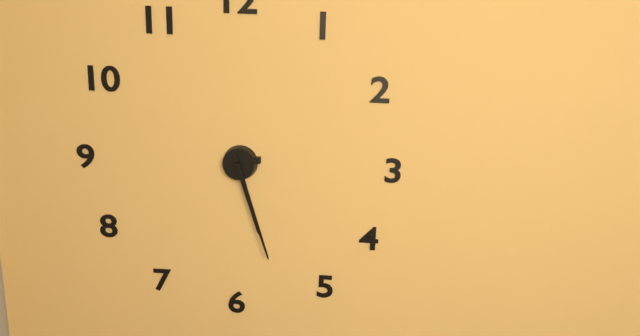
5 h 27 min
